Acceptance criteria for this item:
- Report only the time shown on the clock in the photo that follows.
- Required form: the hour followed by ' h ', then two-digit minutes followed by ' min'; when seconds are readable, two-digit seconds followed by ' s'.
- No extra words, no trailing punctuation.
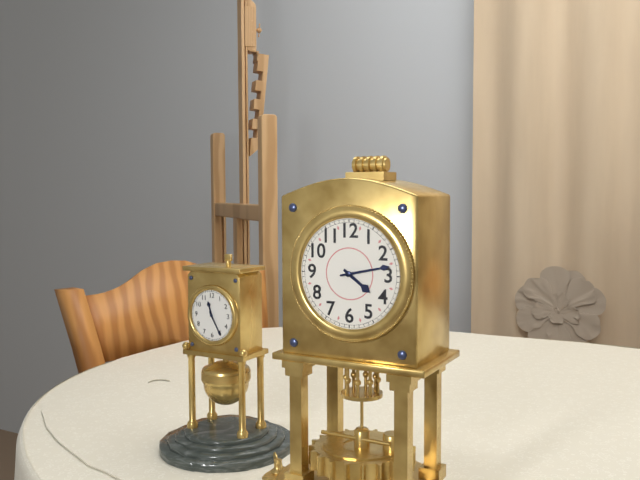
4 h 13 min
